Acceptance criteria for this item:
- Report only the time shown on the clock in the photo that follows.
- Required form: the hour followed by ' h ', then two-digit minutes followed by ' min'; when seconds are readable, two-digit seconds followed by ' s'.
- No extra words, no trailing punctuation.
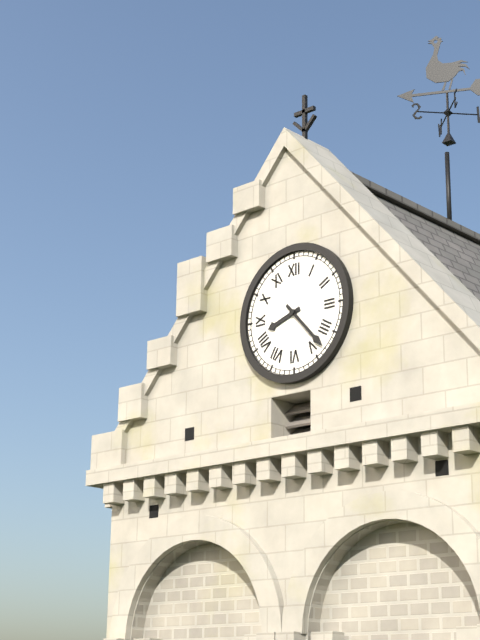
8 h 23 min
